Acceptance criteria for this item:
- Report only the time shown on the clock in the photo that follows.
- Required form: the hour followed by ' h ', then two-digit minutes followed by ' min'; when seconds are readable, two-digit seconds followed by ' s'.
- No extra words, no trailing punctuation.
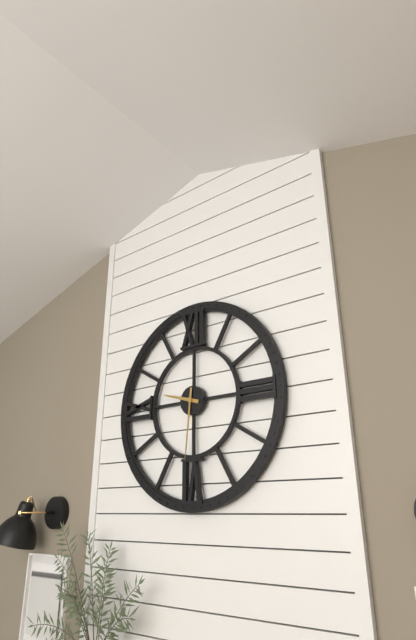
9 h 31 min
